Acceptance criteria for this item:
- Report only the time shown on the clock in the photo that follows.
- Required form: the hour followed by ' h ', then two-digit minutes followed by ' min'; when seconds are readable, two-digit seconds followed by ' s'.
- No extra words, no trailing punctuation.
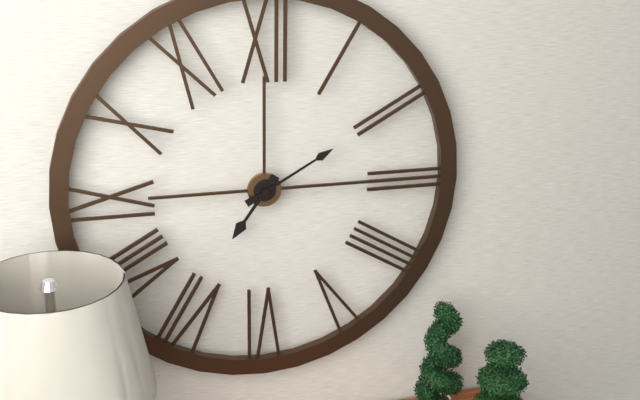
7 h 10 min
